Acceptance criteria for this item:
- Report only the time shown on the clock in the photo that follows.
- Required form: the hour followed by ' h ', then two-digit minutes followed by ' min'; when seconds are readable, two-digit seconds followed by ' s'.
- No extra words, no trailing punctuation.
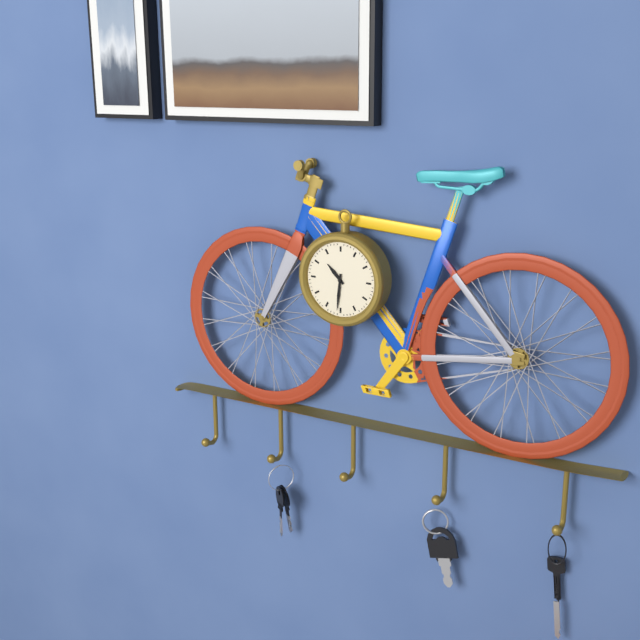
10 h 31 min
